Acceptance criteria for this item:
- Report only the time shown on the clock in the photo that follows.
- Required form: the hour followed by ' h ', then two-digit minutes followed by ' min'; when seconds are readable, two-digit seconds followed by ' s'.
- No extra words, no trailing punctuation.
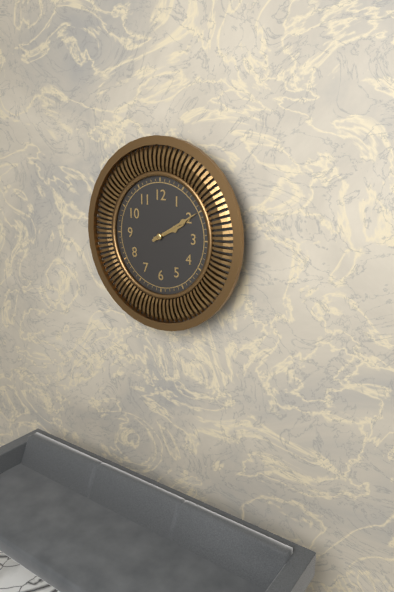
2 h 10 min
